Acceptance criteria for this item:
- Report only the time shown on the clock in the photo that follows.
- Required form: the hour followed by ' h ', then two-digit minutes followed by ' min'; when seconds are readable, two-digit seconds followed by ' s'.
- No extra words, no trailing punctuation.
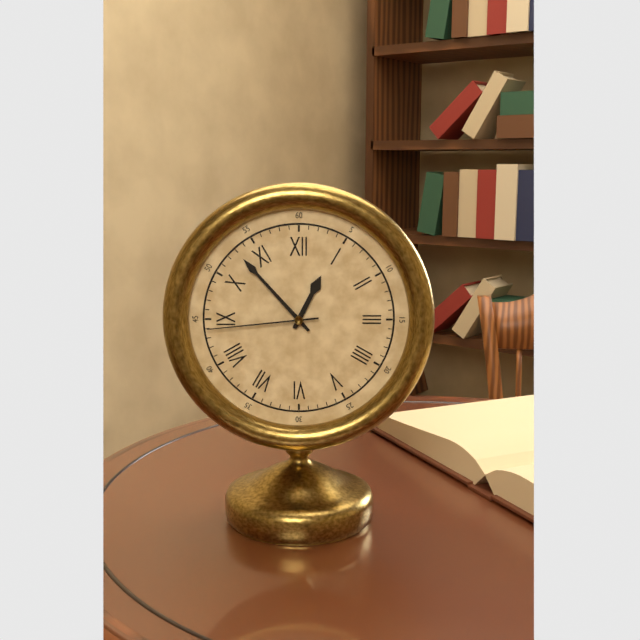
12 h 53 min 44 s
